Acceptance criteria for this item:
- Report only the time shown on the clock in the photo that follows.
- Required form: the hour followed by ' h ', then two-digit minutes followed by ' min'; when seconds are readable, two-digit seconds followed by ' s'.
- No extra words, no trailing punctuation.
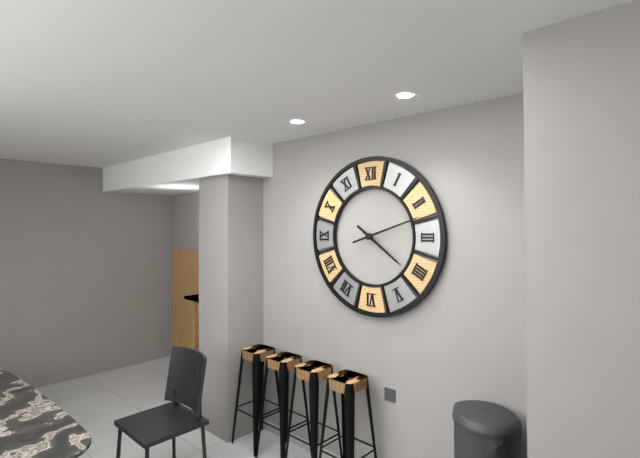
4 h 12 min
